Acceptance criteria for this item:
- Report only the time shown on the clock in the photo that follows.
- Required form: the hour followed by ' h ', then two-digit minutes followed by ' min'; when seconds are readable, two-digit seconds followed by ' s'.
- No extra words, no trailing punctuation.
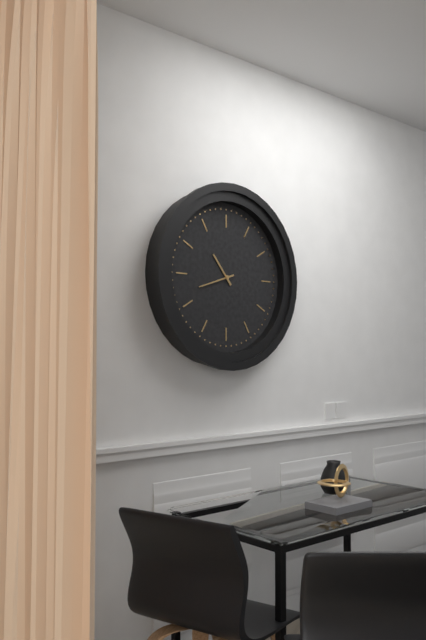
10 h 42 min
